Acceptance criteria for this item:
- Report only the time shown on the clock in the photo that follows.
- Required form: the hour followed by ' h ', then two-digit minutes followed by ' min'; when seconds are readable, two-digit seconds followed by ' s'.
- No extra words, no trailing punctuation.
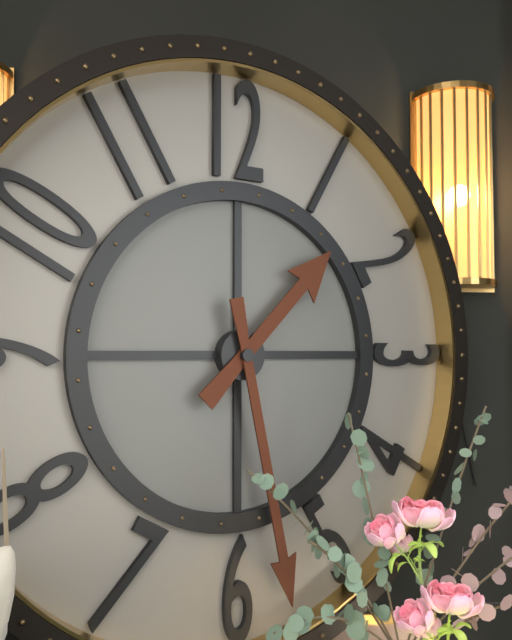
1 h 28 min
